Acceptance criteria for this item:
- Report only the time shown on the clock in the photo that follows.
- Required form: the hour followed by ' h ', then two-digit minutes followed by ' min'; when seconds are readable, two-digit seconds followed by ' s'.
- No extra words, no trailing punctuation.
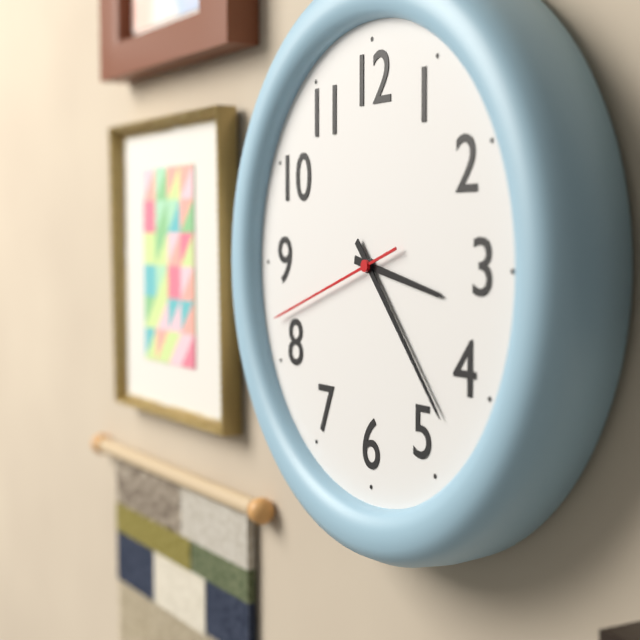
3 h 23 min 42 s
